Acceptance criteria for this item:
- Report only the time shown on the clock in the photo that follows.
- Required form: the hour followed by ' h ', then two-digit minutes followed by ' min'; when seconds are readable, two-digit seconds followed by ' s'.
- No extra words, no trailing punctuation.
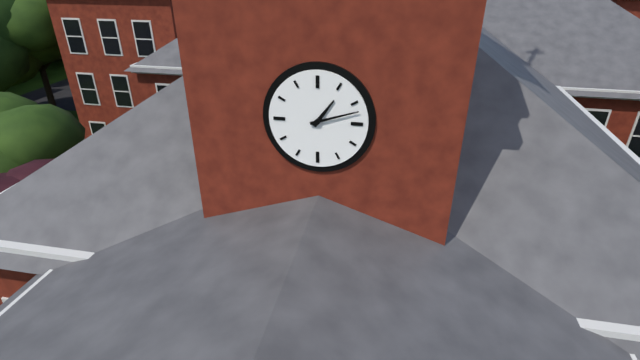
1 h 12 min
